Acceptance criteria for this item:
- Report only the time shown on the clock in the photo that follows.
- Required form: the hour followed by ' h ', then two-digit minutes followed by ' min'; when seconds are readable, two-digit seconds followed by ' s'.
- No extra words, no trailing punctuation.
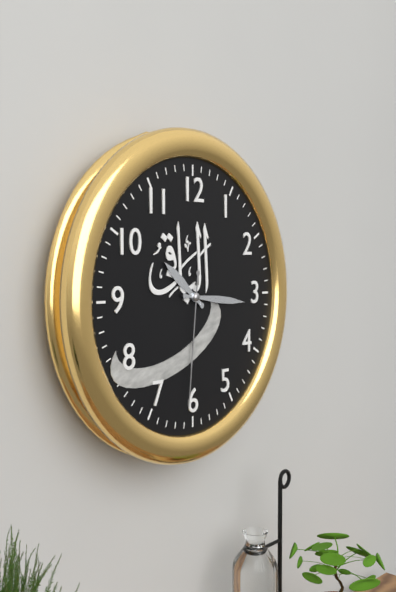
10 h 16 min 31 s
